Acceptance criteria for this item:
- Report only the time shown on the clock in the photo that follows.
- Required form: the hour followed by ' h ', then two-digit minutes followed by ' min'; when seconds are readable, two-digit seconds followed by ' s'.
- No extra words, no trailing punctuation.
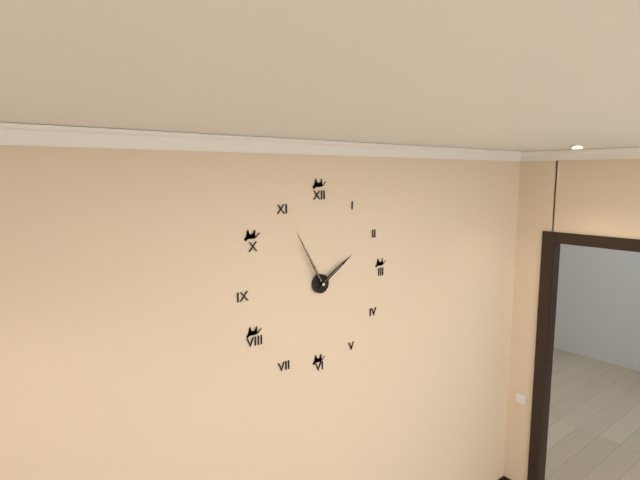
1 h 55 min
